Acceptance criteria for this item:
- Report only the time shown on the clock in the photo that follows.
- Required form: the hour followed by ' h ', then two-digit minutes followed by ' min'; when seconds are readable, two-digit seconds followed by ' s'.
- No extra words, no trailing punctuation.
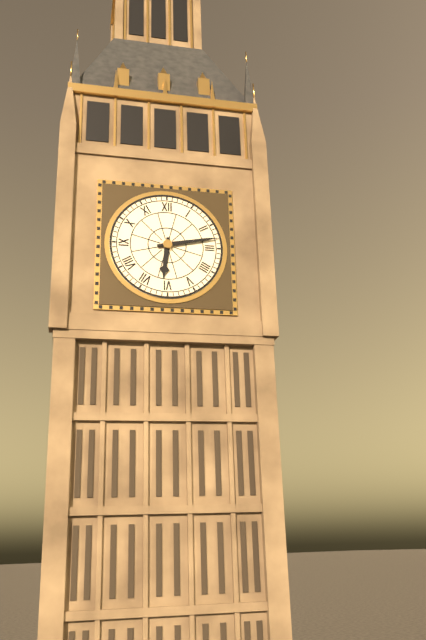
6 h 13 min
